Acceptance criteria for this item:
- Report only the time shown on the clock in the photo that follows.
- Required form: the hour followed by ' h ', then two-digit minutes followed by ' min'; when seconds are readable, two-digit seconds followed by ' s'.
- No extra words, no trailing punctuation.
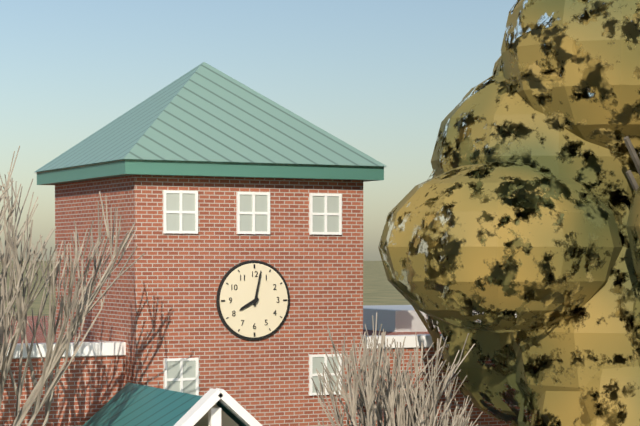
8 h 02 min
